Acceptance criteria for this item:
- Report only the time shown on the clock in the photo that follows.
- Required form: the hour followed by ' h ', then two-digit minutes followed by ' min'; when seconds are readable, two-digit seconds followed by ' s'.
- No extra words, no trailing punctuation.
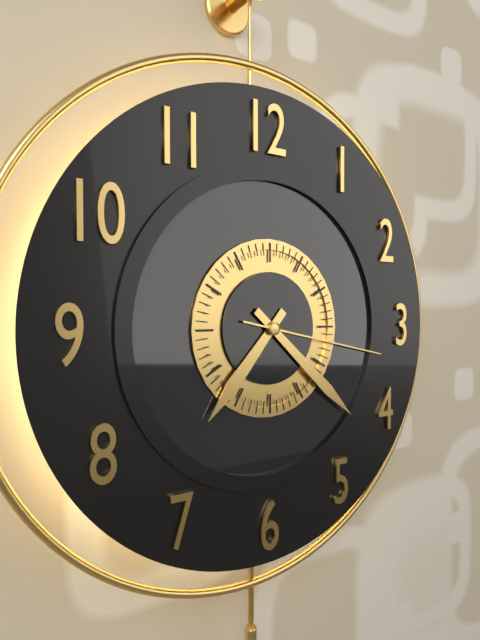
7 h 22 min 17 s
